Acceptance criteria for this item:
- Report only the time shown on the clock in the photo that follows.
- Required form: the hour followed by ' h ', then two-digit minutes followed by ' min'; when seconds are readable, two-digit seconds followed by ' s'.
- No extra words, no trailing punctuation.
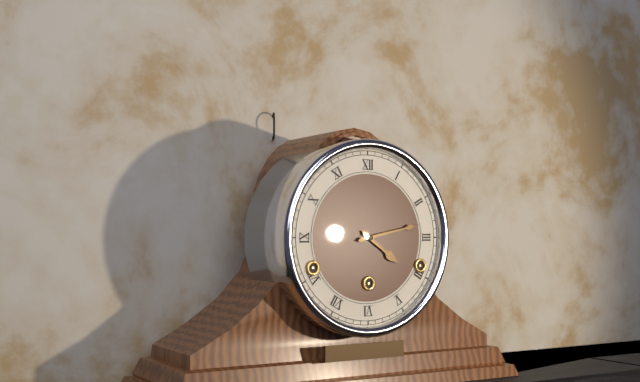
4 h 13 min
